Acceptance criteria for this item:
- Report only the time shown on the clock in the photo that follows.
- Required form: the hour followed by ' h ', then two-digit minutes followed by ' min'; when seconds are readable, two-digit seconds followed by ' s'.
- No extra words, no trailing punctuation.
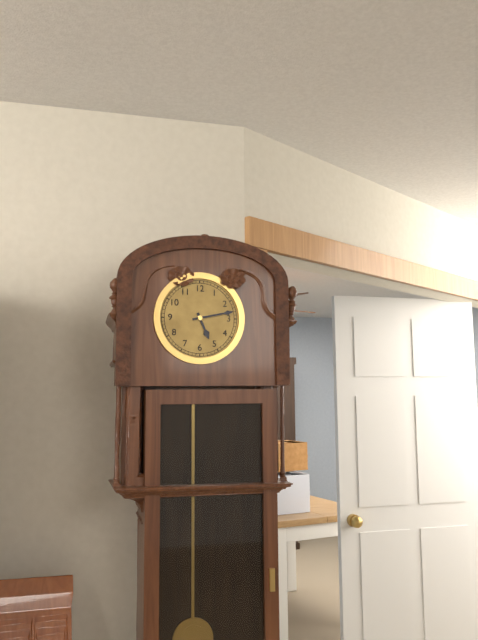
5 h 13 min
